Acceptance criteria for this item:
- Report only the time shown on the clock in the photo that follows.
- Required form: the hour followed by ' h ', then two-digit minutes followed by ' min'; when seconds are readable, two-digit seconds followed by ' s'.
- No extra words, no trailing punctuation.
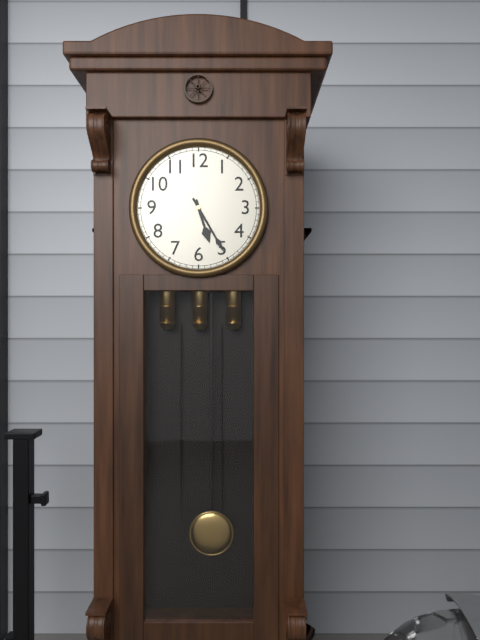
5 h 25 min
